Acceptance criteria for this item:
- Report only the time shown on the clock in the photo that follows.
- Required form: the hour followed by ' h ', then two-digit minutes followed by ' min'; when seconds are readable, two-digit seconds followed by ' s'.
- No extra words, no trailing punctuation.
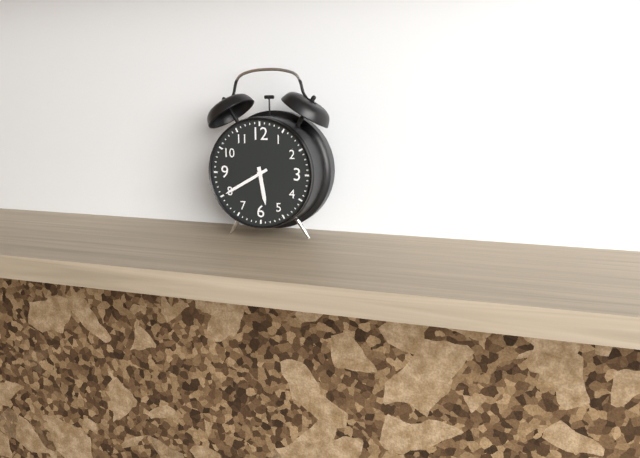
5 h 40 min
